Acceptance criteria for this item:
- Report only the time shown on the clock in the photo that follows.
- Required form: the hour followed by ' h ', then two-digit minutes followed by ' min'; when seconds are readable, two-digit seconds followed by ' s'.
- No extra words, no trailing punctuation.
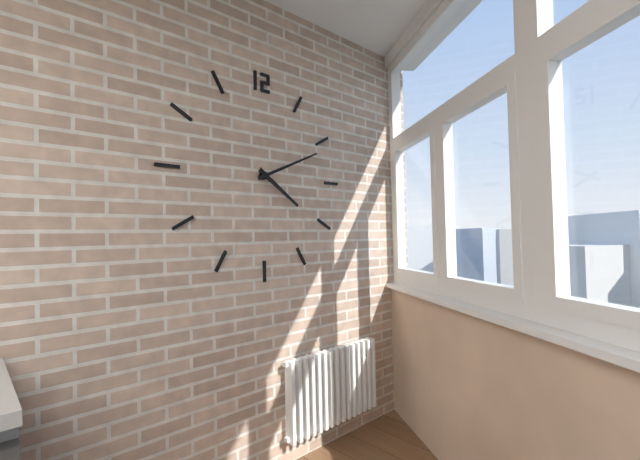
4 h 11 min
